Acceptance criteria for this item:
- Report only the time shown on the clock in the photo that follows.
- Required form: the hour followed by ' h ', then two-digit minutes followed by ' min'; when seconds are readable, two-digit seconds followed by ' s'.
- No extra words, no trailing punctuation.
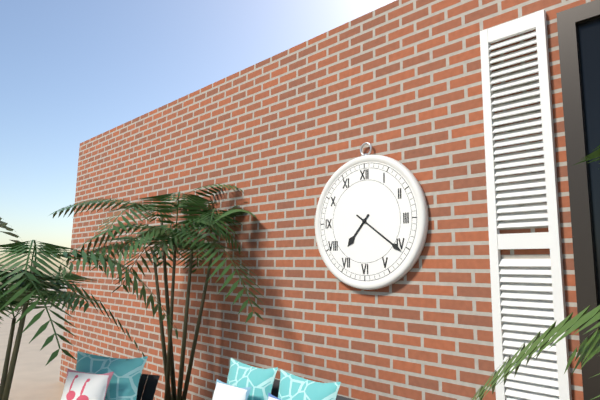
7 h 21 min
